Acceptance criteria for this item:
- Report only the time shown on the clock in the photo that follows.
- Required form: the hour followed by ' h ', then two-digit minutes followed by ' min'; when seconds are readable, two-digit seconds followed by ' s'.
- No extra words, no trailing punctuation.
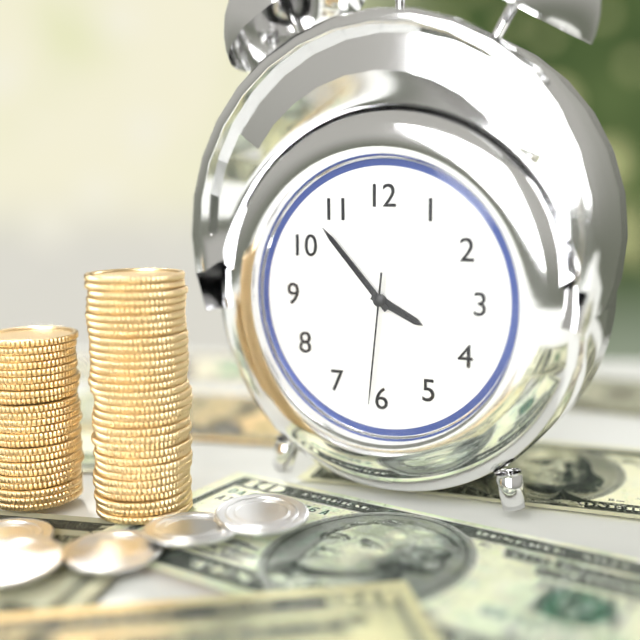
3 h 53 min 31 s
